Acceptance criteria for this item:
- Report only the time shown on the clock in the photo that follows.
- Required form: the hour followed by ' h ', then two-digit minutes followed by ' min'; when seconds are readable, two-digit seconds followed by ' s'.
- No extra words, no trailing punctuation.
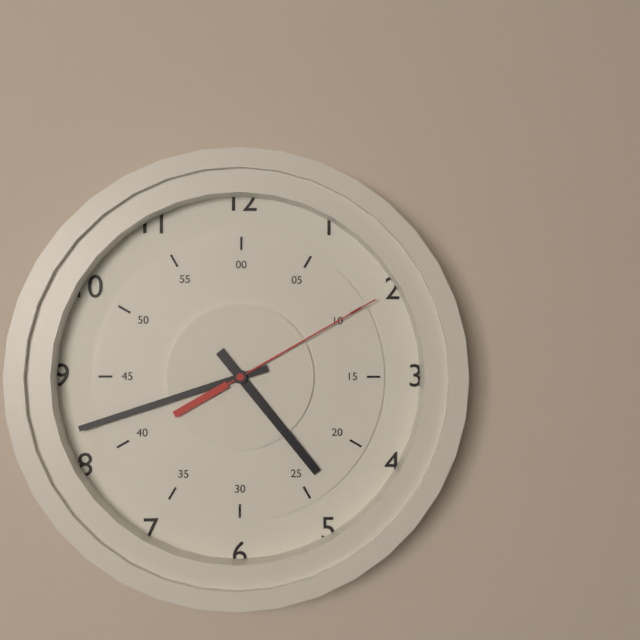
4 h 42 min 10 s
